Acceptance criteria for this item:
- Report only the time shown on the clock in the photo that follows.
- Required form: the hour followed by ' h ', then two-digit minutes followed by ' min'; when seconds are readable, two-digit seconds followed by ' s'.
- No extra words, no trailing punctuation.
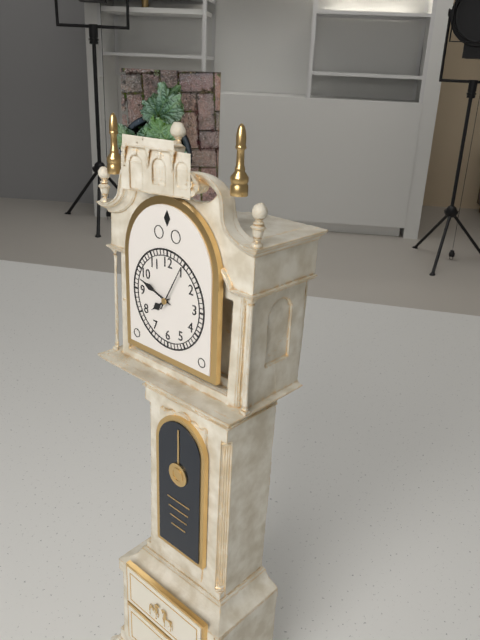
7 h 48 min
